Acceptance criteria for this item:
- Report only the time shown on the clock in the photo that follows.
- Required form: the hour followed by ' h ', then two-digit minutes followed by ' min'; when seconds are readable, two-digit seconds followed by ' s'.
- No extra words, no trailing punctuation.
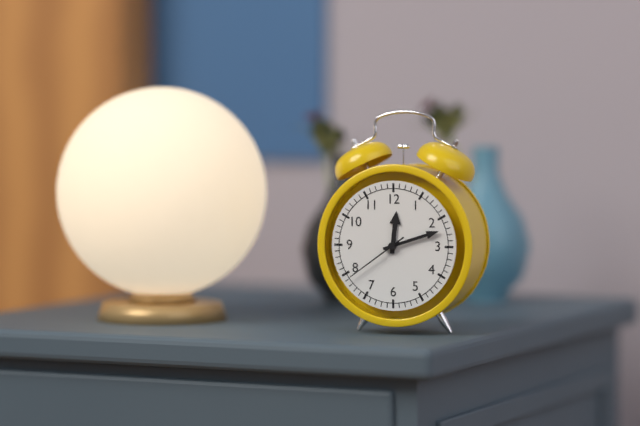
12 h 12 min 39 s
